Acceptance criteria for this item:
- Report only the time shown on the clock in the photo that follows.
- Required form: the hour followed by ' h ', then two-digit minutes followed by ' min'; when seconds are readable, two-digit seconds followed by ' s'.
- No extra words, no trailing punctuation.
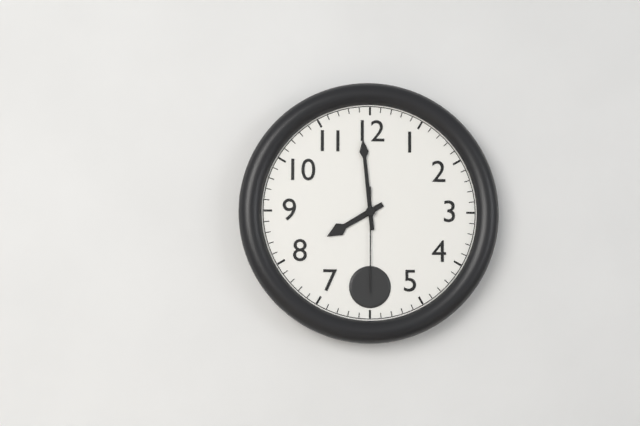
7 h 59 min 30 s
